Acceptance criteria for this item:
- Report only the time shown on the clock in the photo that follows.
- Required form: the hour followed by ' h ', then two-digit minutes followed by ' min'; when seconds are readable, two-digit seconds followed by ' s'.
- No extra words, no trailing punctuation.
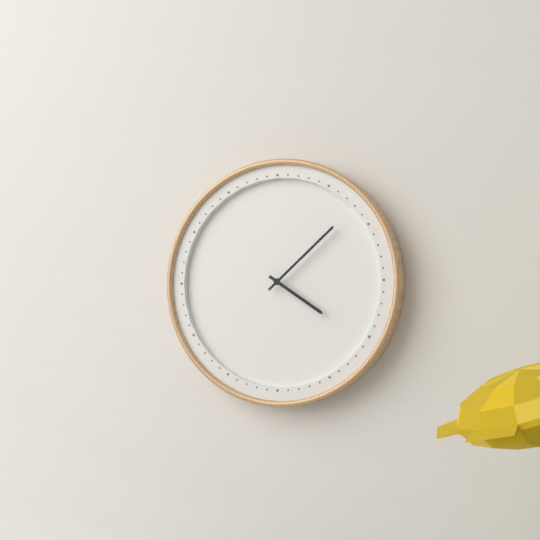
4 h 08 min
